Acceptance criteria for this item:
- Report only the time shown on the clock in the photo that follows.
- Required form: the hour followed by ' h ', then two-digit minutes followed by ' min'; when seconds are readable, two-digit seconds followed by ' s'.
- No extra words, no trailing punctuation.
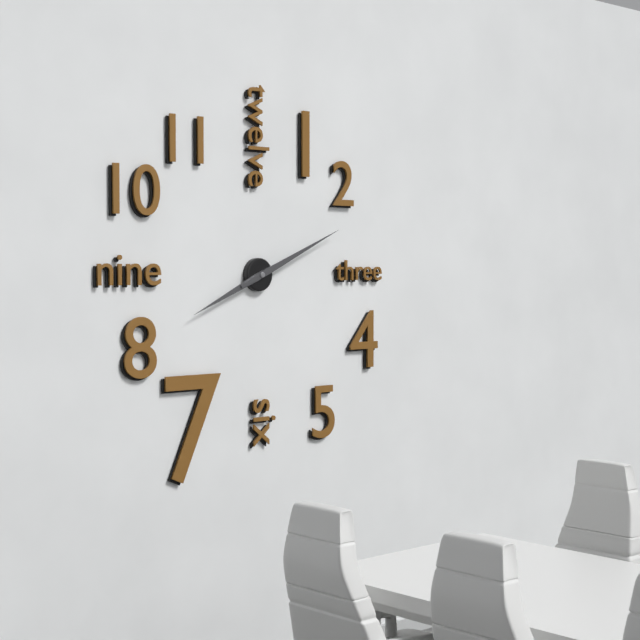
8 h 11 min
